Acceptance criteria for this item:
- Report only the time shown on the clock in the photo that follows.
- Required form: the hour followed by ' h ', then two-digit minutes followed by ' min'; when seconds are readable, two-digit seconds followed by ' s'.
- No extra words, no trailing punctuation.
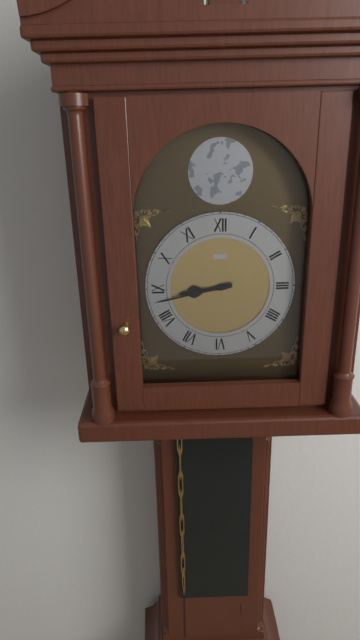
8 h 43 min
